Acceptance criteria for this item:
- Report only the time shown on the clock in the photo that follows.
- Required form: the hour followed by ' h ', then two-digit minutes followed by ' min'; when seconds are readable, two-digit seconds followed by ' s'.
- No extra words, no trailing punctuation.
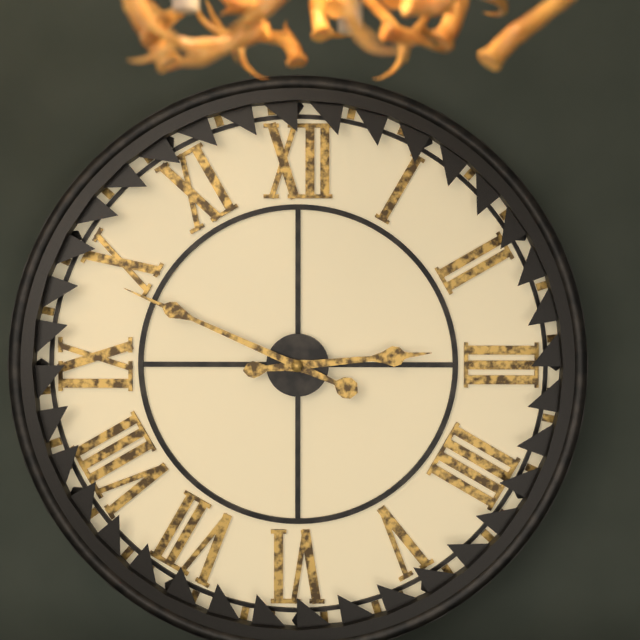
2 h 49 min
